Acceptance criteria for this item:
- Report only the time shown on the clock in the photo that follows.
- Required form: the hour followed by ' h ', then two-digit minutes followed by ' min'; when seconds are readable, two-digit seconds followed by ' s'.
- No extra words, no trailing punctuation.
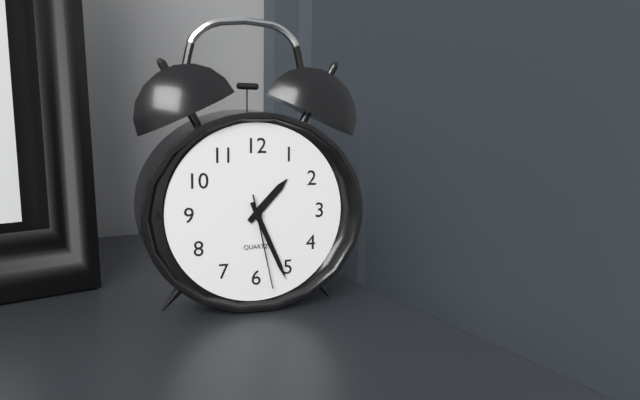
1 h 26 min 28 s
